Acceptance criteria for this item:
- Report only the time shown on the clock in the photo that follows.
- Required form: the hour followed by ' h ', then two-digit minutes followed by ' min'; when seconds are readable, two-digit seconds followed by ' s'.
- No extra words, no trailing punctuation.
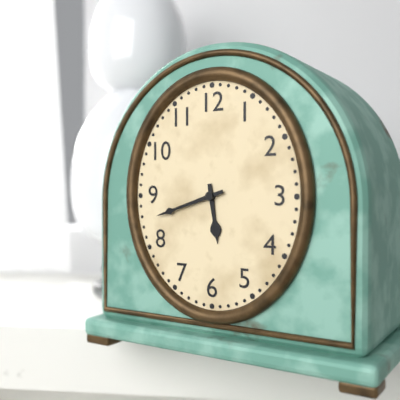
5 h 42 min
